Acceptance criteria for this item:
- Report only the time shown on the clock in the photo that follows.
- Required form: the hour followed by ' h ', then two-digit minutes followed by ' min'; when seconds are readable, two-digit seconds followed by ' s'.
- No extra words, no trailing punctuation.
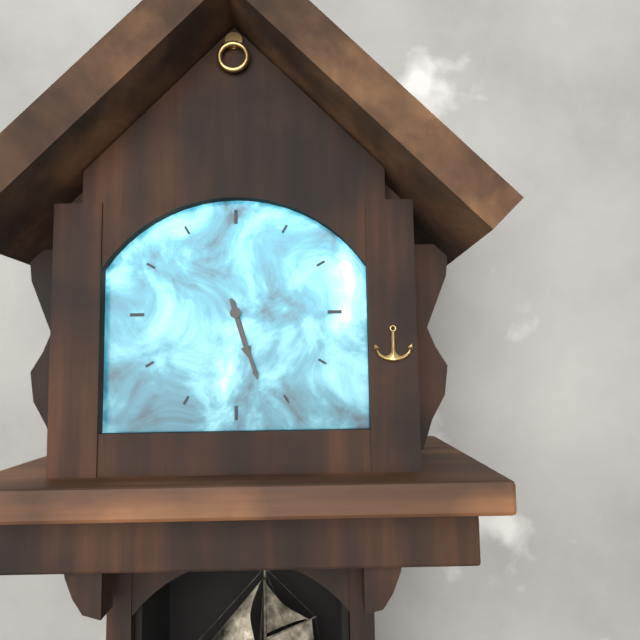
5 h 27 min
